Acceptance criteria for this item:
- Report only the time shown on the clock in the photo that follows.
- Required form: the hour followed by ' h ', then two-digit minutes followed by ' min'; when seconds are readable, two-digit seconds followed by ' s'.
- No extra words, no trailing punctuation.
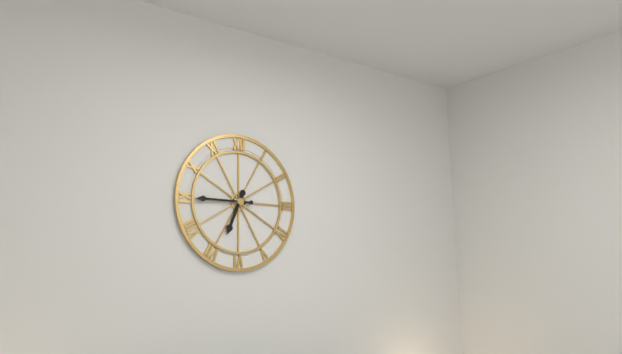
6 h 45 min
